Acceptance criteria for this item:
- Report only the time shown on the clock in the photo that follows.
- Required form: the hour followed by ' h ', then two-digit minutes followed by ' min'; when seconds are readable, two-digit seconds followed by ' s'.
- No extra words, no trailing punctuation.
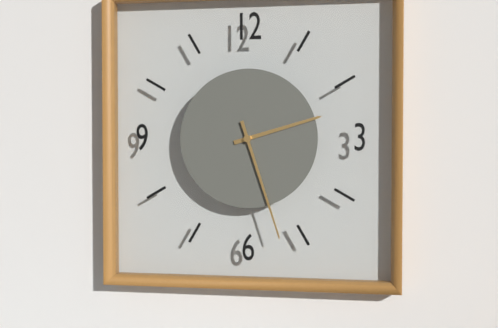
2 h 27 min
